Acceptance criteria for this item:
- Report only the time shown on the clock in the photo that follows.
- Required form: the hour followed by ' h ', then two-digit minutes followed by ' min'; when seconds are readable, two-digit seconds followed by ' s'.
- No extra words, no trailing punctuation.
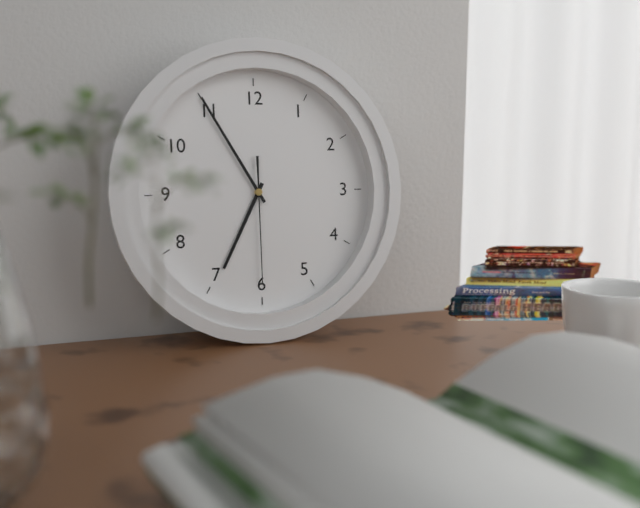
6 h 55 min 30 s
